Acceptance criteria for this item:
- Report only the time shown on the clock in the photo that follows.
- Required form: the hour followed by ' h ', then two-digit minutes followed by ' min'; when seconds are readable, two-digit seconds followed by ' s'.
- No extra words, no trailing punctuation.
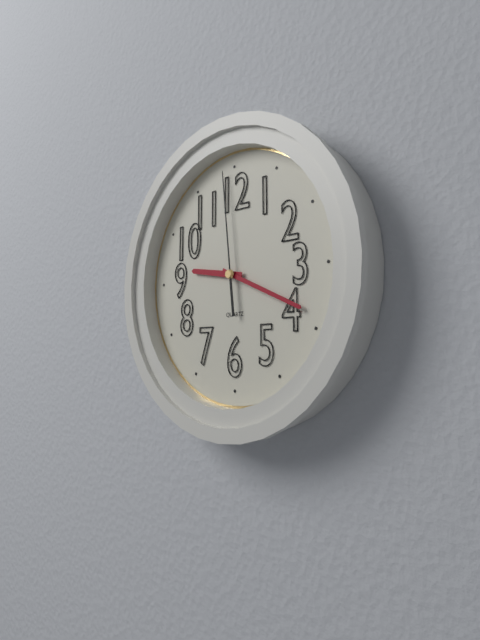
9 h 19 min 59 s
